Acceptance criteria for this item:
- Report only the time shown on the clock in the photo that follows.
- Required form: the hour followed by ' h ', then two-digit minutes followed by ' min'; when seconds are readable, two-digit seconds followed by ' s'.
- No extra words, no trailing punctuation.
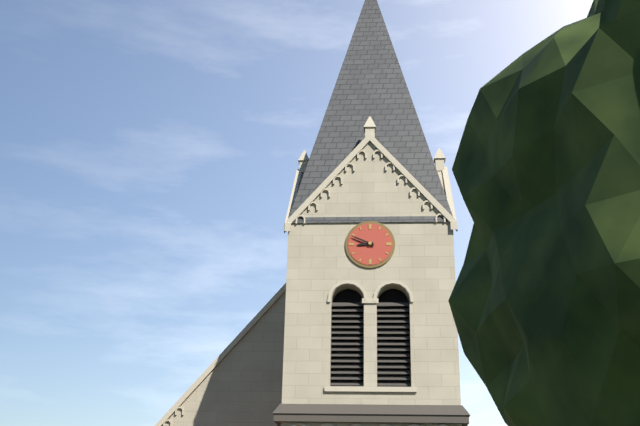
8 h 49 min
